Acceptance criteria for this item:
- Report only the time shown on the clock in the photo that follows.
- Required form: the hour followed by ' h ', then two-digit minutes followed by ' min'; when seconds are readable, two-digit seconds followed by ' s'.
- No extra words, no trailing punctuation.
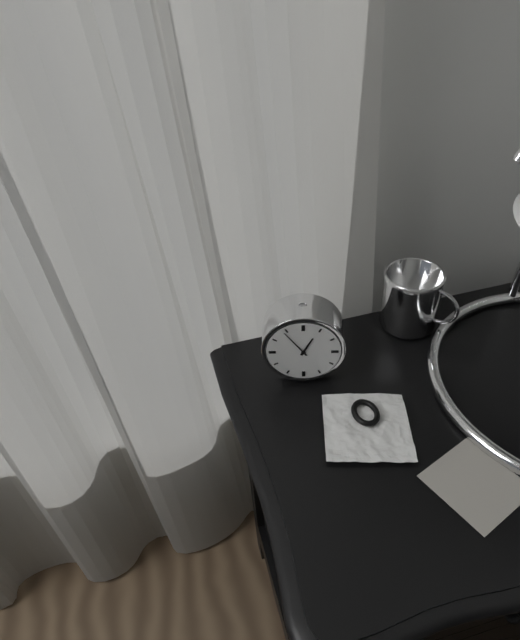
12 h 54 min
